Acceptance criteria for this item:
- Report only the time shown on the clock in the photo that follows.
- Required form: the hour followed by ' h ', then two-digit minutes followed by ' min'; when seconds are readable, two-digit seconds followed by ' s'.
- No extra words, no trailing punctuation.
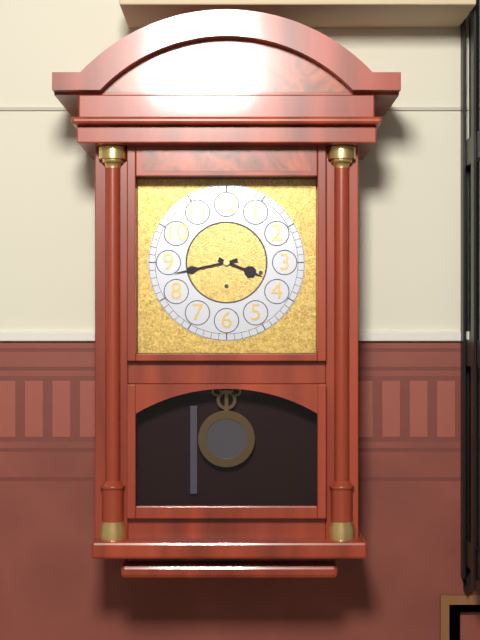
3 h 43 min
